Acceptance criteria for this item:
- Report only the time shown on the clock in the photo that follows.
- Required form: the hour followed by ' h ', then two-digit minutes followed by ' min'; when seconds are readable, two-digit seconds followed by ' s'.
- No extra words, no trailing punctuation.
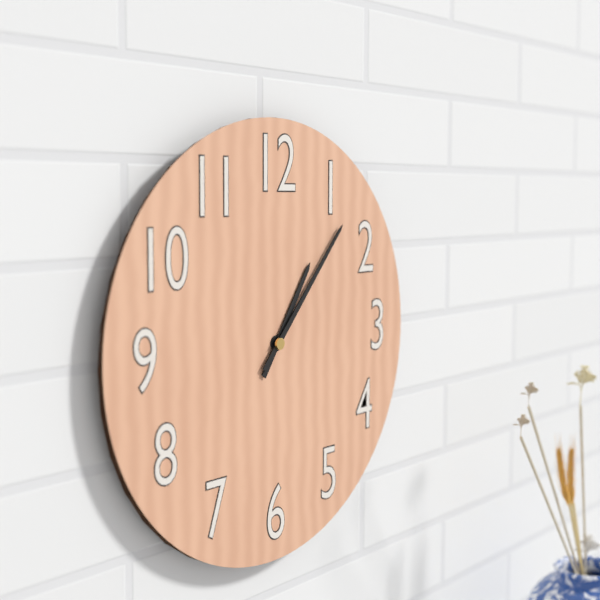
1 h 07 min
